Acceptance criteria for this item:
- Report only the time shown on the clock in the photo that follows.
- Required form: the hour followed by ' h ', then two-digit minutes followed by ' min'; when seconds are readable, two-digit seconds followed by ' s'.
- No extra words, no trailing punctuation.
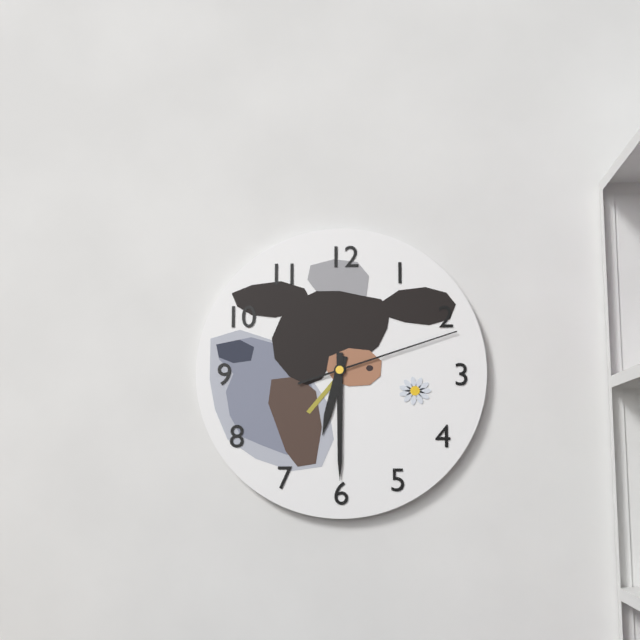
6 h 30 min 12 s
